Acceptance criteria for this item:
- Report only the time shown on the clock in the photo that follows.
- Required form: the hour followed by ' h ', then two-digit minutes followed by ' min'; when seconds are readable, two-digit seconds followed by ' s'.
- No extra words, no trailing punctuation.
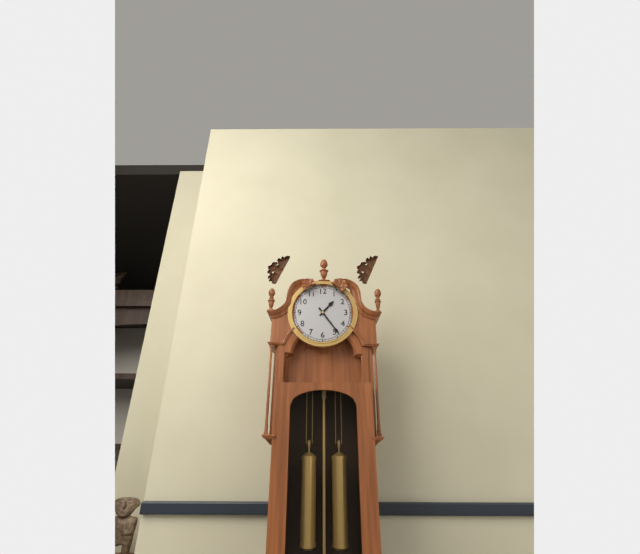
1 h 24 min
